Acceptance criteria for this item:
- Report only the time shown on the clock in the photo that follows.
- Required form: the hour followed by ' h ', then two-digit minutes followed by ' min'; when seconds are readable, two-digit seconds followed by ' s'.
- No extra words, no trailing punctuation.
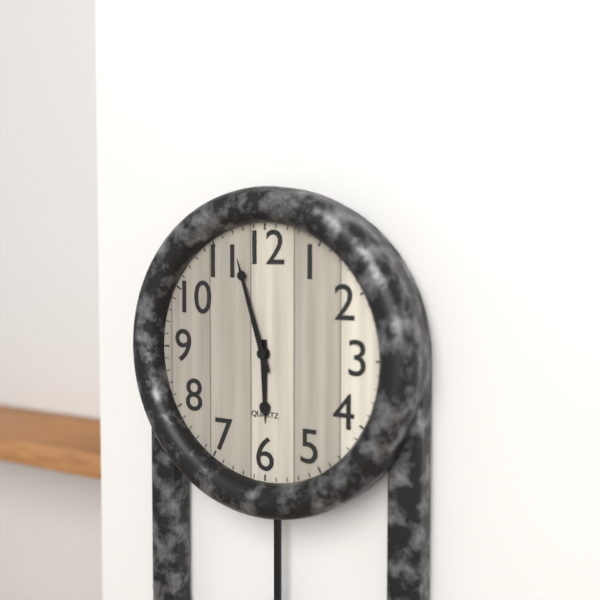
5 h 57 min
